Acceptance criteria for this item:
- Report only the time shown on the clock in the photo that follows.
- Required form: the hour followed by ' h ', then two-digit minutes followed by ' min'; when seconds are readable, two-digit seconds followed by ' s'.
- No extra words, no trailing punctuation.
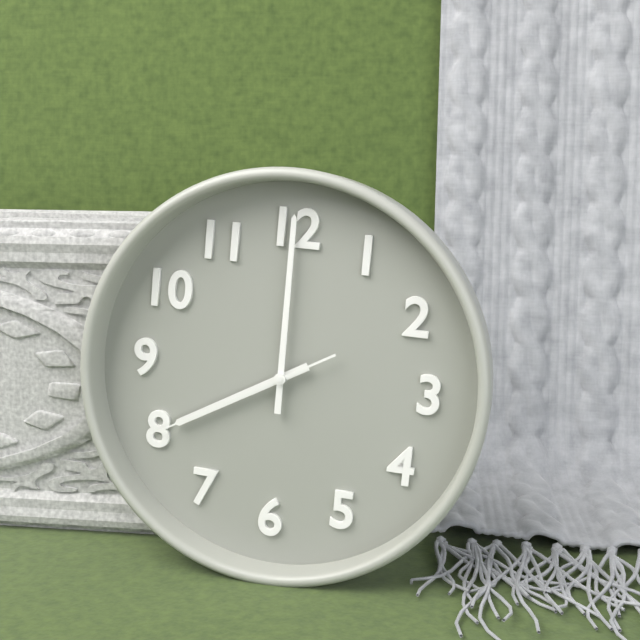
8 h 00 min 40 s
